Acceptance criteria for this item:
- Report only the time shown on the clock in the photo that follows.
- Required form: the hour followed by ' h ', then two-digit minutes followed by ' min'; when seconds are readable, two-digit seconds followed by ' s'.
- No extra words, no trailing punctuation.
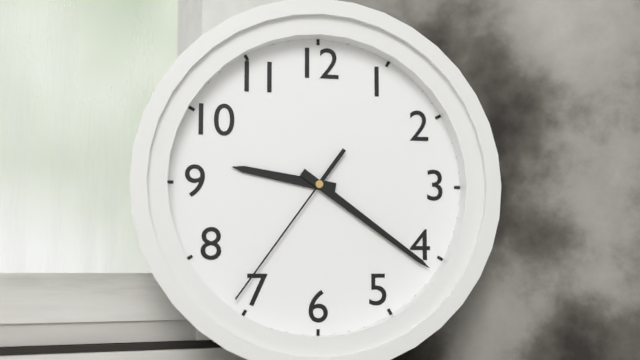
9 h 21 min 36 s
